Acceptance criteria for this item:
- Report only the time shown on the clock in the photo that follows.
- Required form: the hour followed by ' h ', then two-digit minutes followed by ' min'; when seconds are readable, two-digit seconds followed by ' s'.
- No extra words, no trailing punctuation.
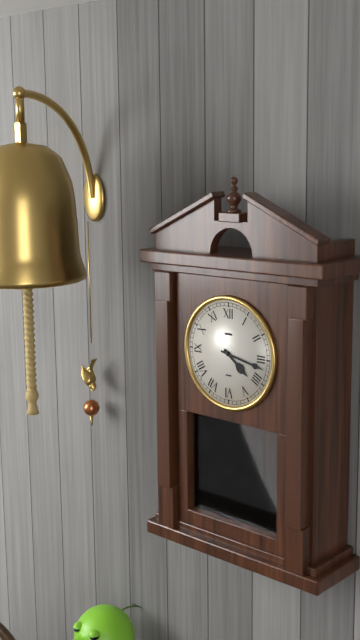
4 h 17 min
